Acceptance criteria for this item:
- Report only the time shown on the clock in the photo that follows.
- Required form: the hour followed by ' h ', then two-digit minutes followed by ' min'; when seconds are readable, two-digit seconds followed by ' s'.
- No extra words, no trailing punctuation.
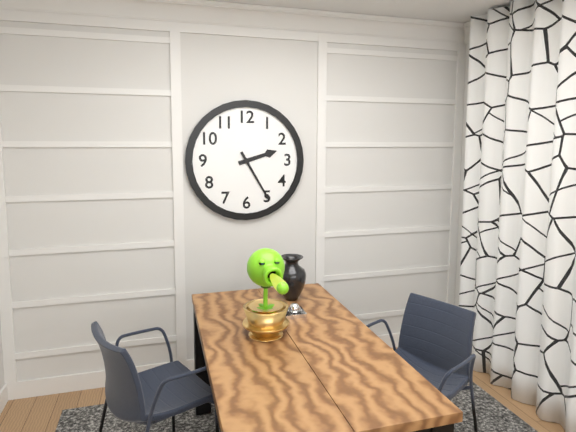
2 h 25 min
